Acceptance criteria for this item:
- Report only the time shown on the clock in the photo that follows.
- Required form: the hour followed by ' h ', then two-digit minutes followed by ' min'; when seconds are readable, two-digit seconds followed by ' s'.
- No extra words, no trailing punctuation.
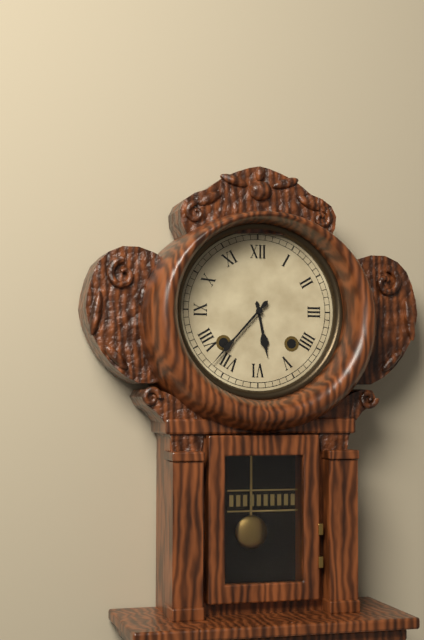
5 h 37 min
